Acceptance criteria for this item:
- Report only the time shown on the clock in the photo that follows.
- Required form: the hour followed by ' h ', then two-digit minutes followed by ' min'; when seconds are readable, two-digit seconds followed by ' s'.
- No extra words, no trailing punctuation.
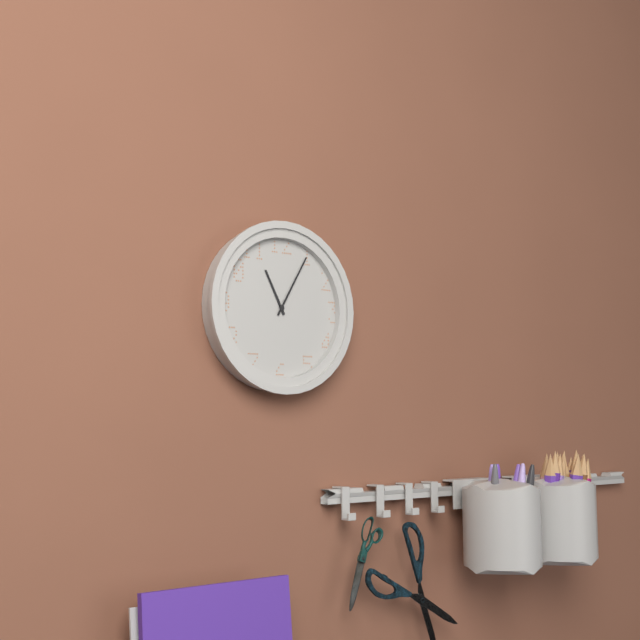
11 h 05 min
